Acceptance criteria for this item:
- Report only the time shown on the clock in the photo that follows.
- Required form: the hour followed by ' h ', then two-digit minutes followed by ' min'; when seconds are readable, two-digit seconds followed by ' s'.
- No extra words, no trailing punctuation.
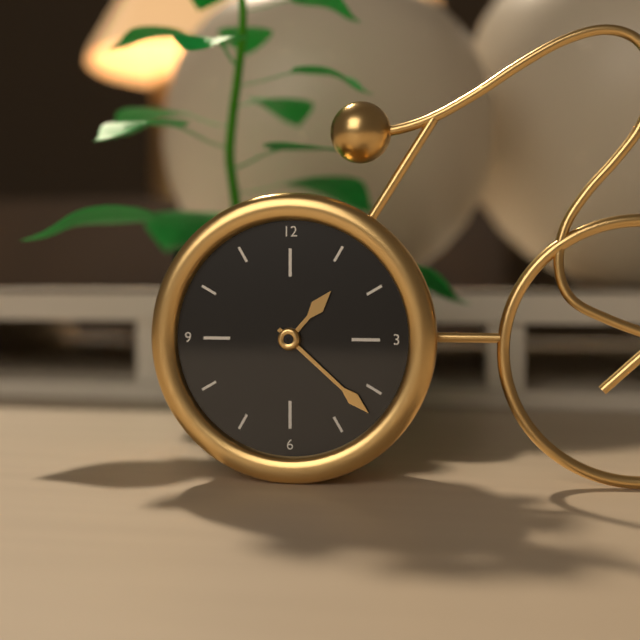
1 h 22 min
